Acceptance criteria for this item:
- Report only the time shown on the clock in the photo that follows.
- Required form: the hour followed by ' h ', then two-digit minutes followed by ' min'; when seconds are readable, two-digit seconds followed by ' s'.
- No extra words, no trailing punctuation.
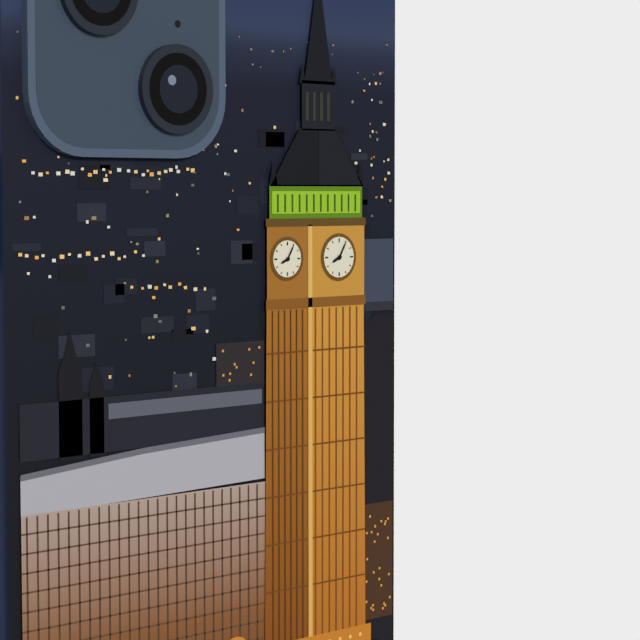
8 h 05 min
